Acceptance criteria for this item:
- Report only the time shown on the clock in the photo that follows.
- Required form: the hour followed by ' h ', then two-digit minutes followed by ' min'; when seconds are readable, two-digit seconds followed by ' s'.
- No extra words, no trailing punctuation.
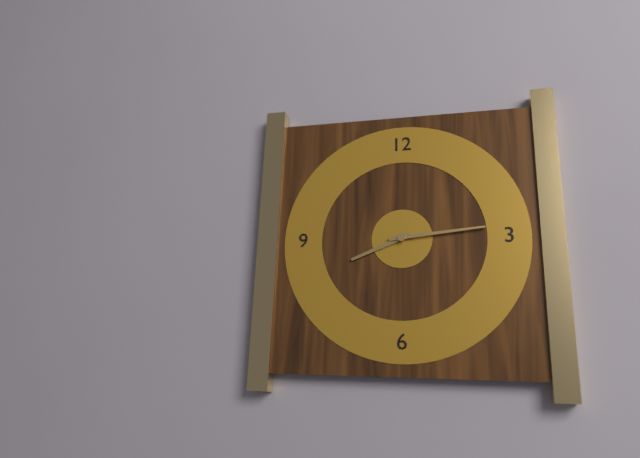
8 h 14 min
